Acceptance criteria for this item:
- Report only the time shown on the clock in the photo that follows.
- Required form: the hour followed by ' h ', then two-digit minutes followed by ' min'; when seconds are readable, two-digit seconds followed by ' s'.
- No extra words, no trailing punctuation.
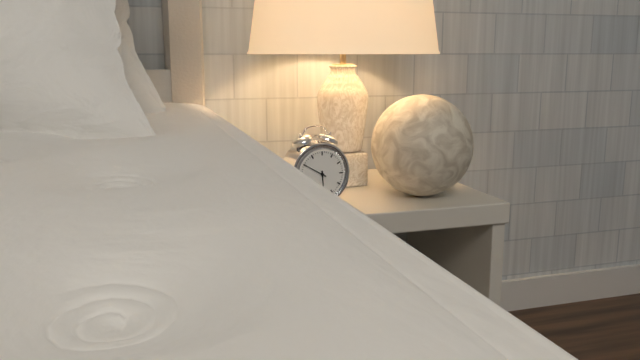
5 h 50 min
